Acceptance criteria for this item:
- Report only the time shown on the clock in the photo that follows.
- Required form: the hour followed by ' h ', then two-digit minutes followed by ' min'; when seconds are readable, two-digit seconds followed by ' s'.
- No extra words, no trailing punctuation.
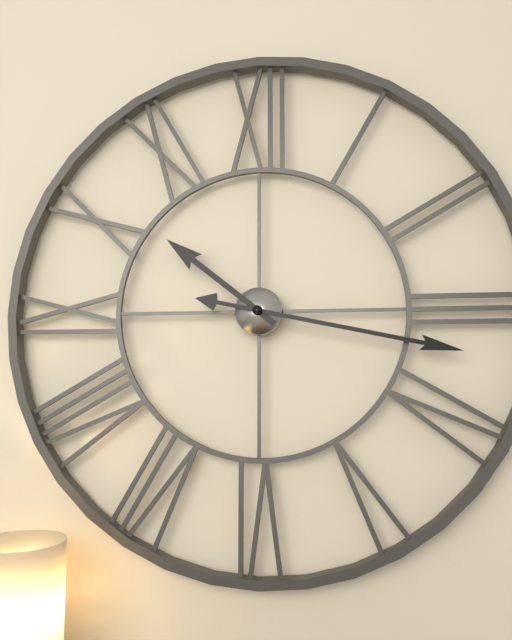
10 h 17 min
